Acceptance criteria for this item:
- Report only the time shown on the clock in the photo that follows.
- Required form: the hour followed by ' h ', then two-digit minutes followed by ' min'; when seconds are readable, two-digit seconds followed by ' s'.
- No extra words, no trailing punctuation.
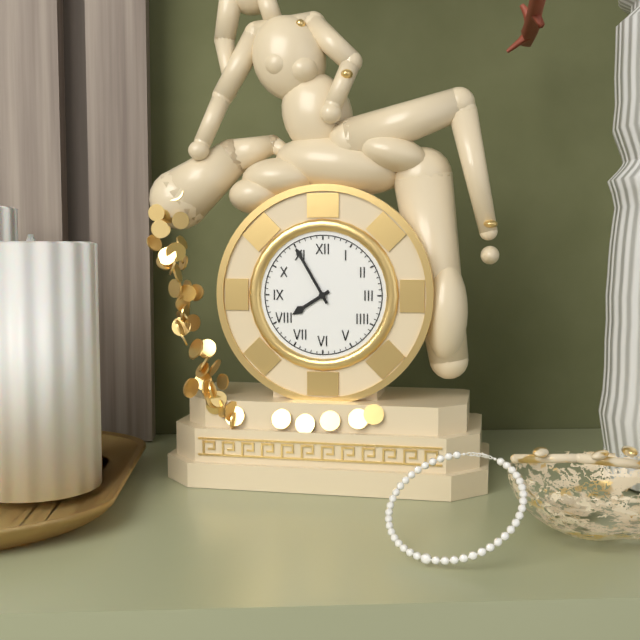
7 h 55 min
